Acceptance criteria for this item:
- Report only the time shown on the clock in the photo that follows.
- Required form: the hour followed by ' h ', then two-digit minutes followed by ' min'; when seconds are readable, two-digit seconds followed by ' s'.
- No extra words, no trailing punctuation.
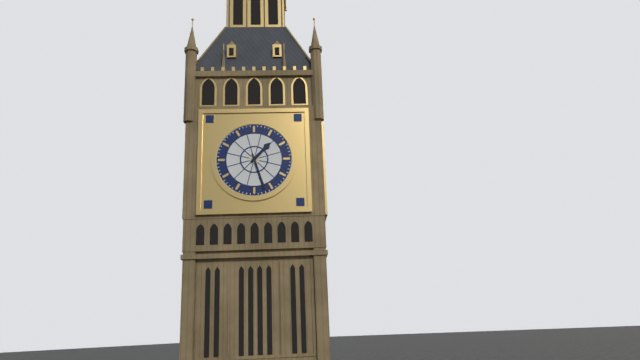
1 h 27 min
